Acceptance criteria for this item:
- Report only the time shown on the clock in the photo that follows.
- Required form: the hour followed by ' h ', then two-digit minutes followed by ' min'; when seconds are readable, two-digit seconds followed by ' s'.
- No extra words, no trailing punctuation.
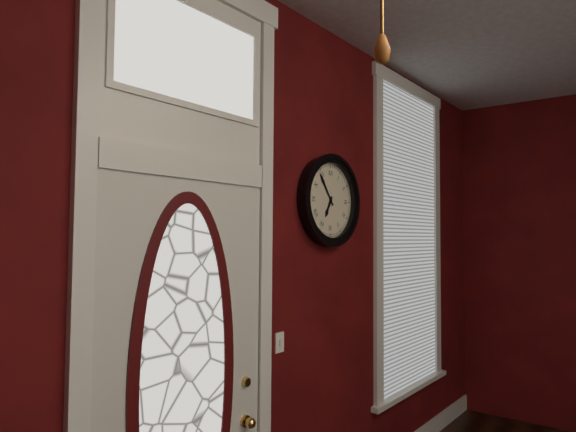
6 h 54 min
